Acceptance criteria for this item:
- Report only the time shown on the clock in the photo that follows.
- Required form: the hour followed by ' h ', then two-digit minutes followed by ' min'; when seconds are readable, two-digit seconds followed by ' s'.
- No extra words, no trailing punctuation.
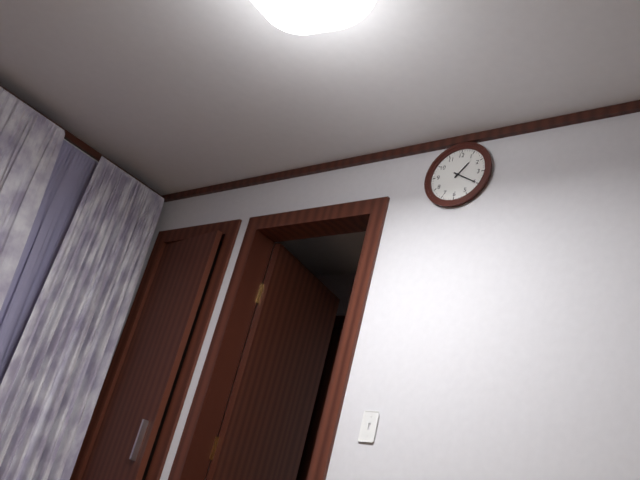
1 h 20 min
